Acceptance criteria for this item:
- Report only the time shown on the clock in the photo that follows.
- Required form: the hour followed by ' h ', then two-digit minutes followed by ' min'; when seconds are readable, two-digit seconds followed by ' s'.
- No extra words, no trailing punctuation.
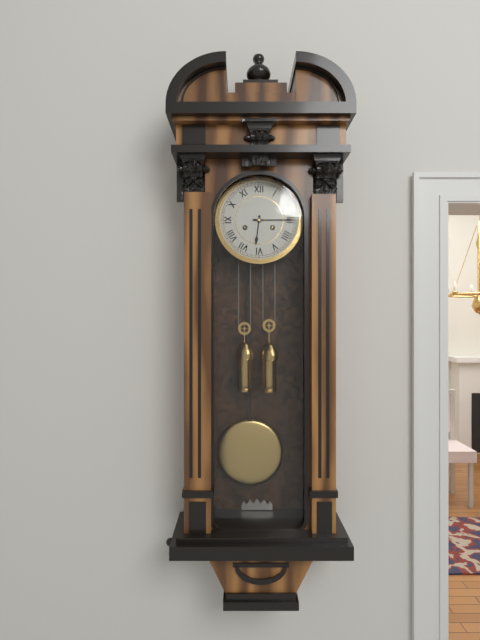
6 h 15 min
